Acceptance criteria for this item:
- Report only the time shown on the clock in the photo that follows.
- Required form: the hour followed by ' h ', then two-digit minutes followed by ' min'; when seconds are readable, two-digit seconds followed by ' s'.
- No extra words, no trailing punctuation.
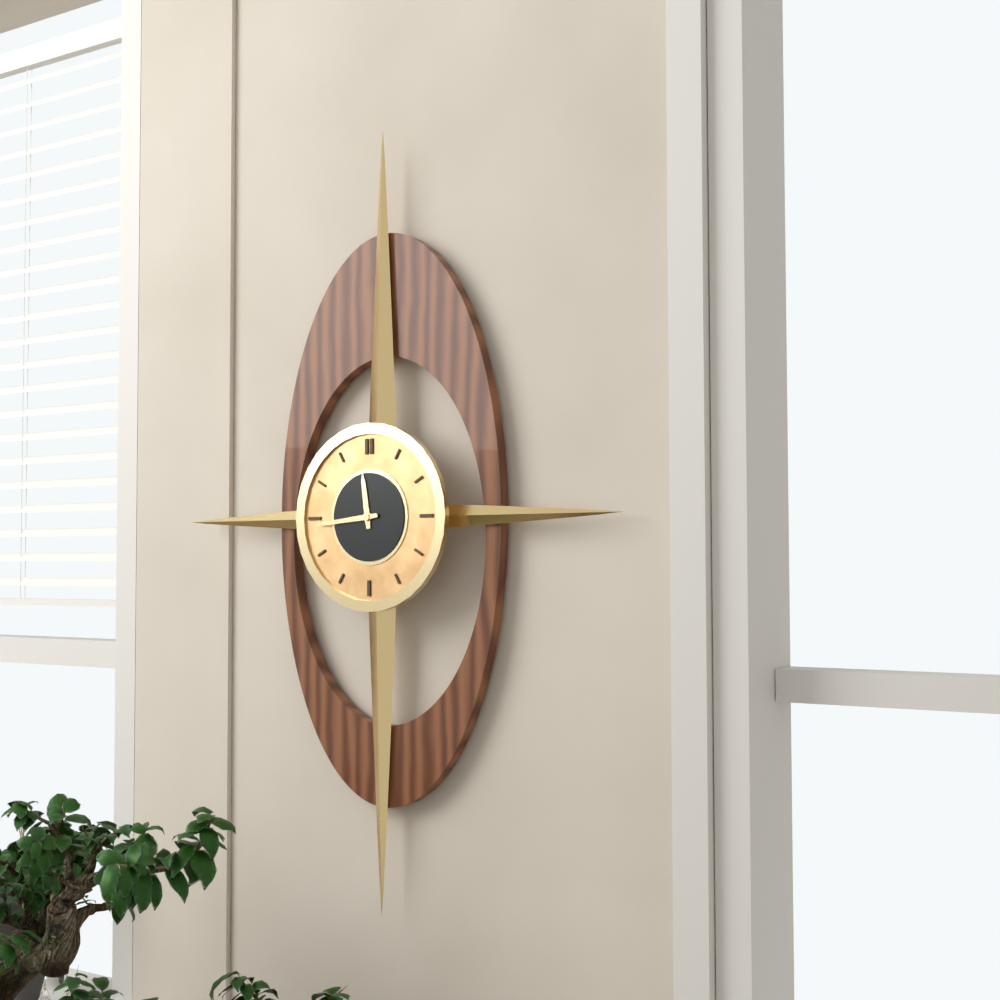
11 h 44 min
